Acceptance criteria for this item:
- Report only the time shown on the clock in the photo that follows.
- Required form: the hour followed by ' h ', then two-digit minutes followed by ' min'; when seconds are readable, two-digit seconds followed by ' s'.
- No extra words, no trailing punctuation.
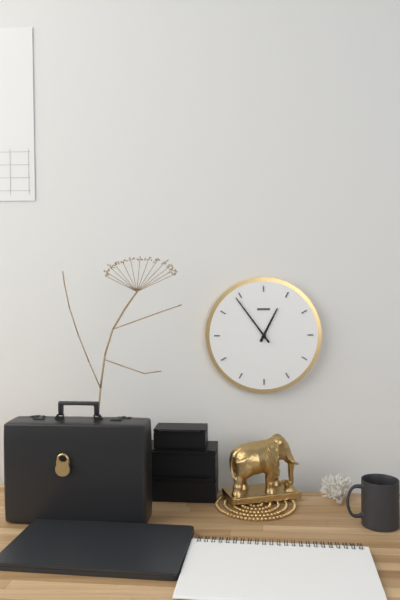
12 h 54 min
